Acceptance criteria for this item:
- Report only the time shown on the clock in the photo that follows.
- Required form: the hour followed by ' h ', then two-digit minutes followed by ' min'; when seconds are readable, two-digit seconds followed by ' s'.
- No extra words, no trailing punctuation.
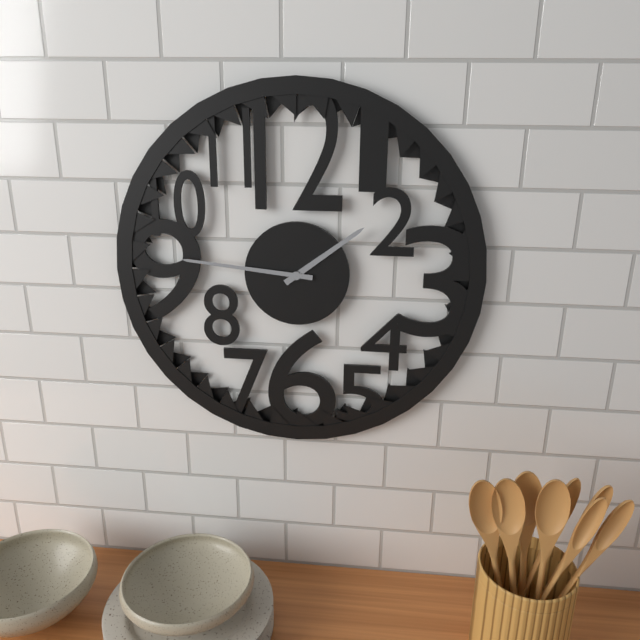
1 h 46 min
